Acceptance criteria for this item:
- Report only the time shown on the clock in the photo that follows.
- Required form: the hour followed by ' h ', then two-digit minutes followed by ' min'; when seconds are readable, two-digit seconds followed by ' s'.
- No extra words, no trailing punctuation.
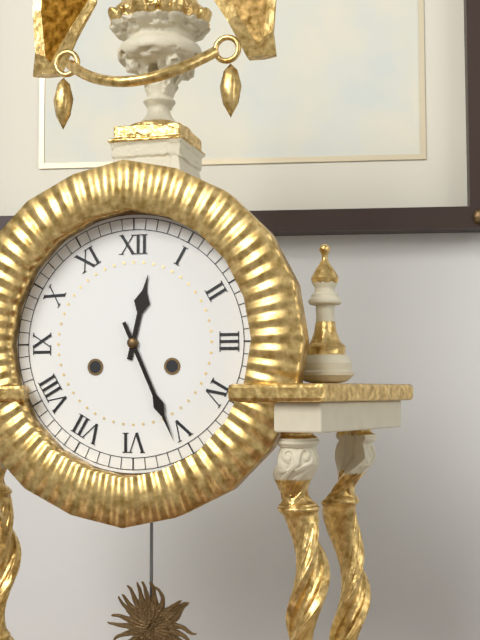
12 h 26 min
